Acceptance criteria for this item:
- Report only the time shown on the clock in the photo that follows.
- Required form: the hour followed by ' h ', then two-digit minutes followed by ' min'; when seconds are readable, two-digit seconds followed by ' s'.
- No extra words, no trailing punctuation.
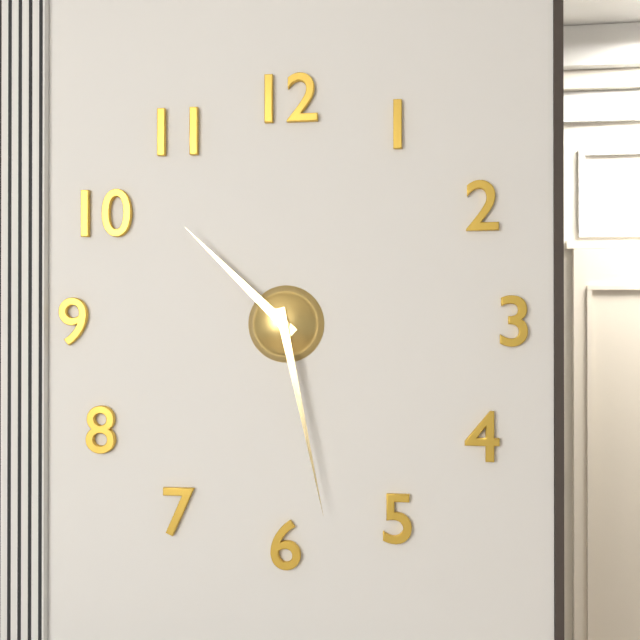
10 h 28 min
